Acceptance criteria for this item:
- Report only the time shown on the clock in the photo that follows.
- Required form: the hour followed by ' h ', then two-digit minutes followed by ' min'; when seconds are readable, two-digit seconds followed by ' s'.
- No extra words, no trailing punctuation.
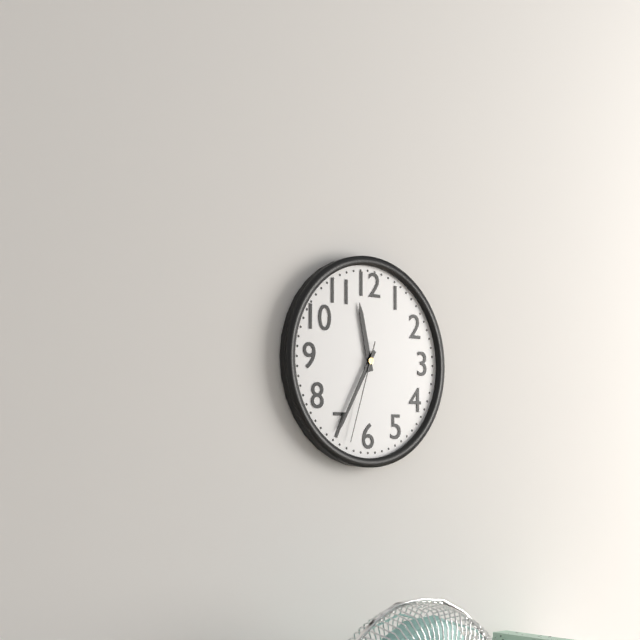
11 h 35 min 33 s
